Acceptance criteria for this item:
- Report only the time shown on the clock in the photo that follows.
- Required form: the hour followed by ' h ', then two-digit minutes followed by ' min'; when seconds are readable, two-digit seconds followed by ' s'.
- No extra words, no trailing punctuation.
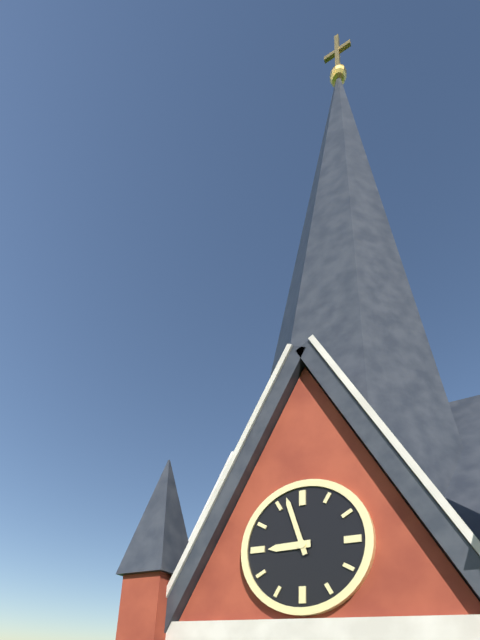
8 h 57 min
